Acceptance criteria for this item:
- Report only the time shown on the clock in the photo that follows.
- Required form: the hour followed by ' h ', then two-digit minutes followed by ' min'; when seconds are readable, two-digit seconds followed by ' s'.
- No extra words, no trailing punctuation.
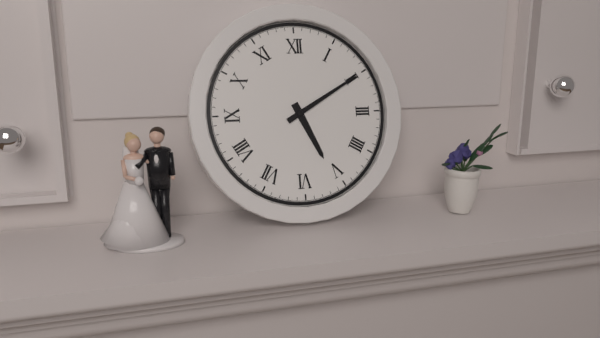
5 h 10 min
